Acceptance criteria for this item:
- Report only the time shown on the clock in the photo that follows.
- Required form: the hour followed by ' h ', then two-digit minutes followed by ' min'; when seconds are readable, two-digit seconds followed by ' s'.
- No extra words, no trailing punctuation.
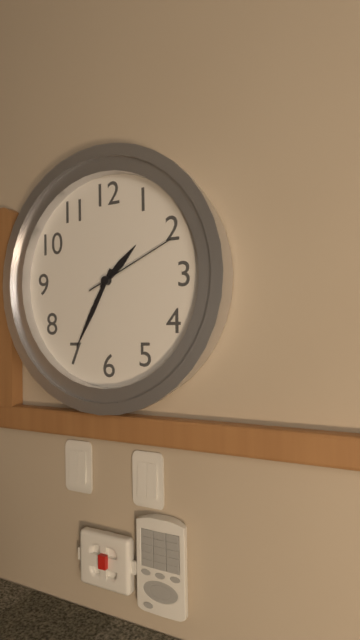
1 h 35 min 11 s
